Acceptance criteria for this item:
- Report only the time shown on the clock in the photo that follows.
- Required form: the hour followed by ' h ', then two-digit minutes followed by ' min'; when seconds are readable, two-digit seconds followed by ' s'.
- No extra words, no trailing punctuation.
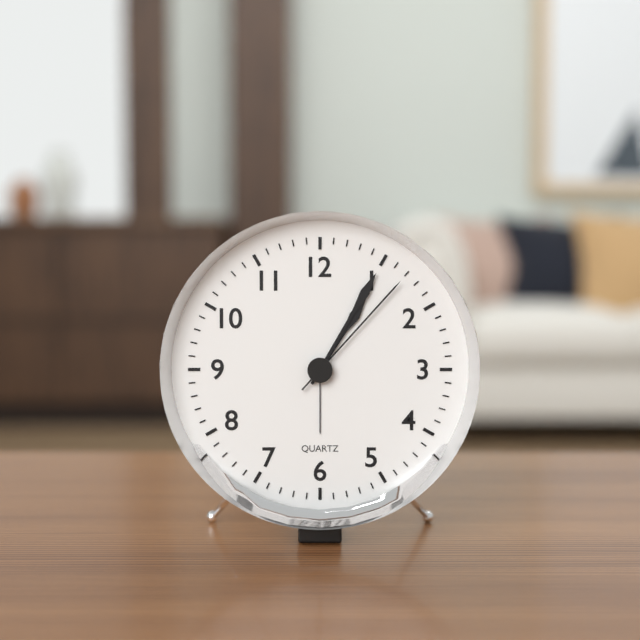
1 h 05 min 07 s
